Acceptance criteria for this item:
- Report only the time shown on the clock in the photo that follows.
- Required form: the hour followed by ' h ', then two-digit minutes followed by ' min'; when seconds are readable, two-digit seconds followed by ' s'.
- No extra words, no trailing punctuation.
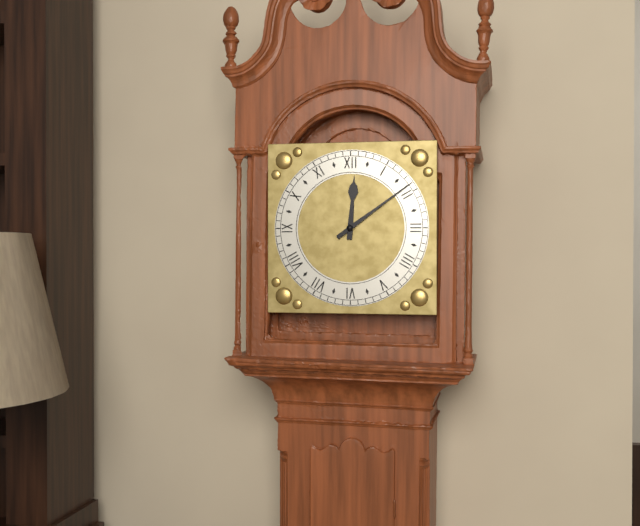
12 h 09 min
